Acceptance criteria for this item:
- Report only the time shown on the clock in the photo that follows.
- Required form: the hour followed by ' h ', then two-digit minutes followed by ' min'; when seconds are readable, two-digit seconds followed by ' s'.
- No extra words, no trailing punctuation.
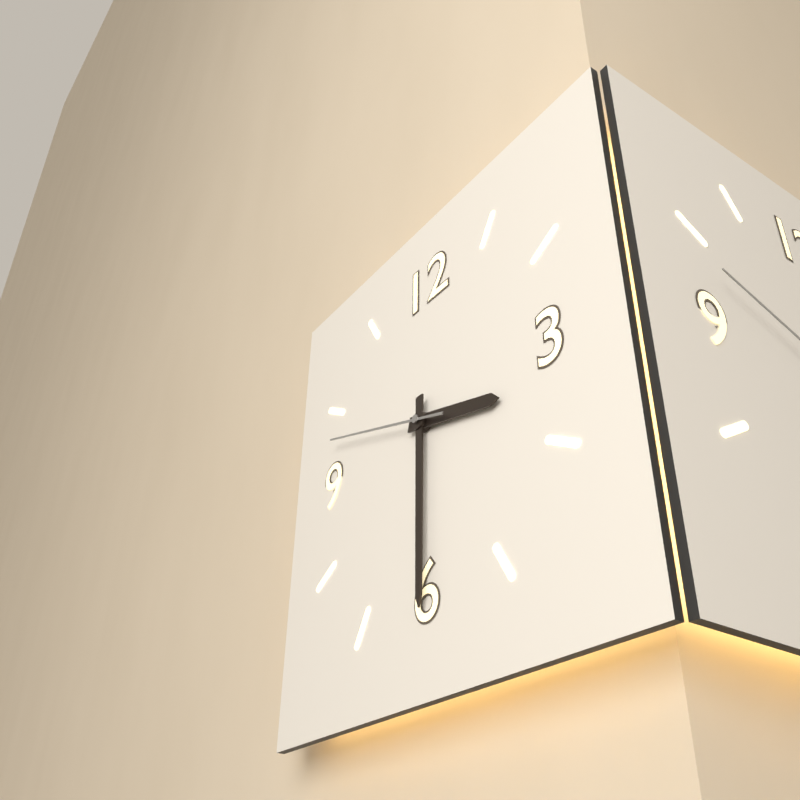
3 h 30 min 48 s
